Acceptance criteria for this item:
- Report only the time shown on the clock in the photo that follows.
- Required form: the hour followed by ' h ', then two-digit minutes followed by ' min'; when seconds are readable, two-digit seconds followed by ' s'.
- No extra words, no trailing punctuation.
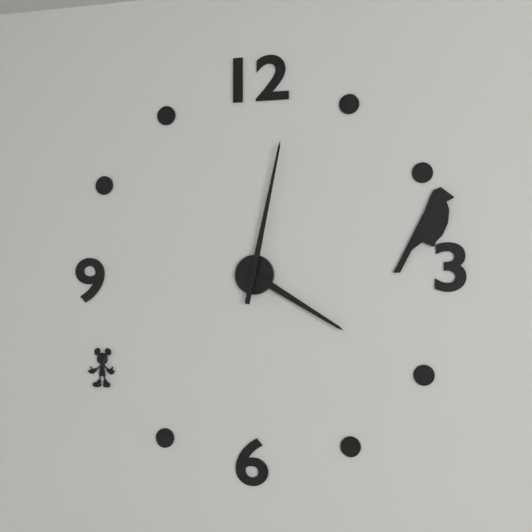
4 h 02 min
